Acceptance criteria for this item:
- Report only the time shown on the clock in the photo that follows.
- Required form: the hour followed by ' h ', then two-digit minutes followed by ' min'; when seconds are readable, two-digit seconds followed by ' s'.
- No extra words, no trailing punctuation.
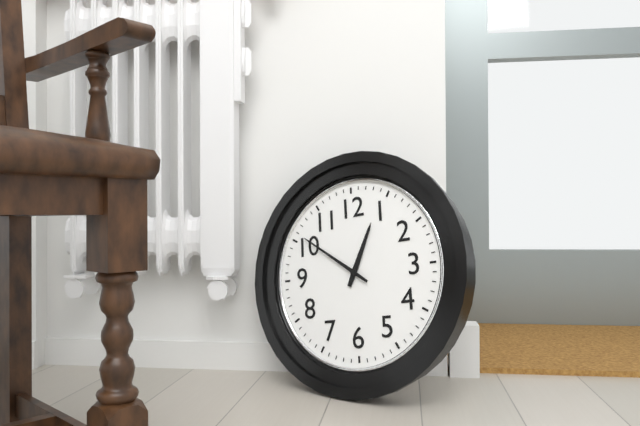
12 h 51 min
